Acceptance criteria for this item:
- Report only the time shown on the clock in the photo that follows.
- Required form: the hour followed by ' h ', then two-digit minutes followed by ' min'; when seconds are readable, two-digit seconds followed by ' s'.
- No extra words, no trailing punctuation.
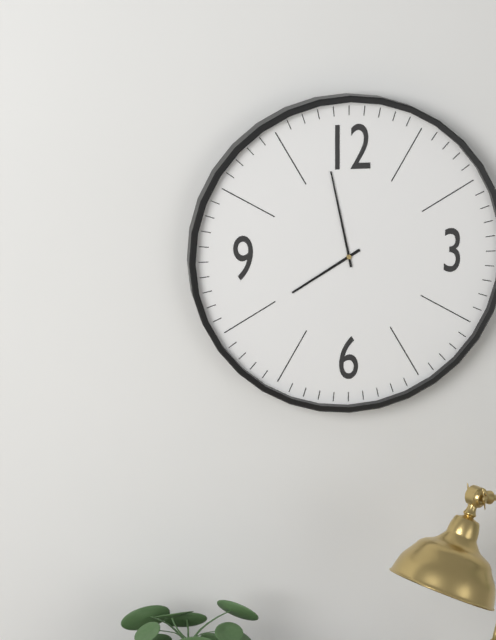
7 h 58 min
